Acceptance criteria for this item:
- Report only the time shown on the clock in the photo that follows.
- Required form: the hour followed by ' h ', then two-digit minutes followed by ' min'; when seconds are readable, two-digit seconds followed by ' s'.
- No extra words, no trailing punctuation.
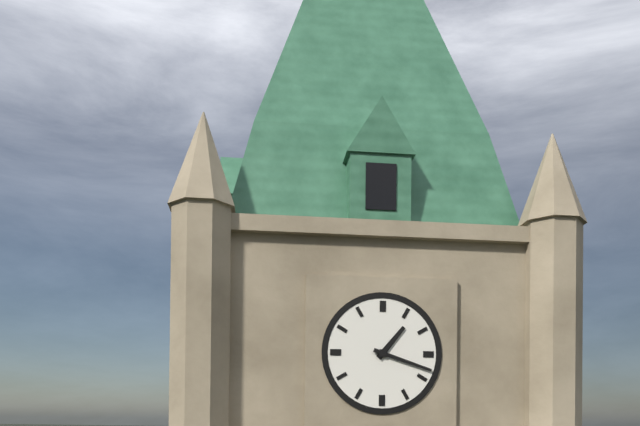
1 h 18 min
